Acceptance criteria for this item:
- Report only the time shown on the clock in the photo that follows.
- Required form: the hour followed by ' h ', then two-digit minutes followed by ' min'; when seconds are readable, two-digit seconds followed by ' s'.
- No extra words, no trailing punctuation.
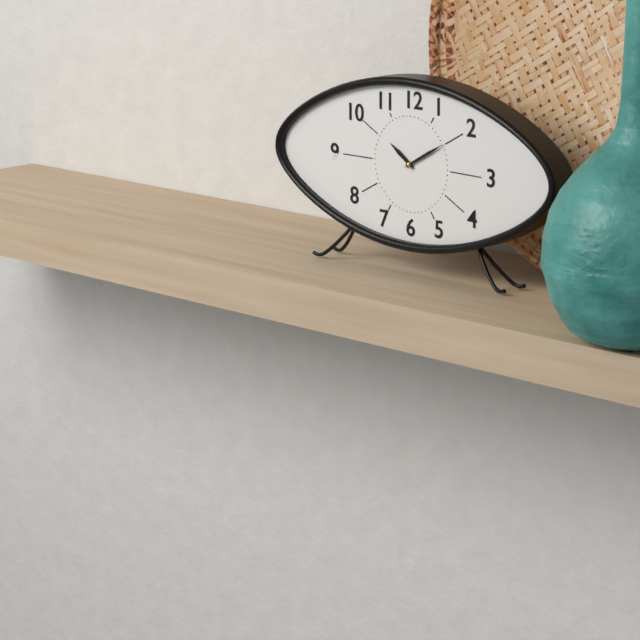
10 h 10 min
